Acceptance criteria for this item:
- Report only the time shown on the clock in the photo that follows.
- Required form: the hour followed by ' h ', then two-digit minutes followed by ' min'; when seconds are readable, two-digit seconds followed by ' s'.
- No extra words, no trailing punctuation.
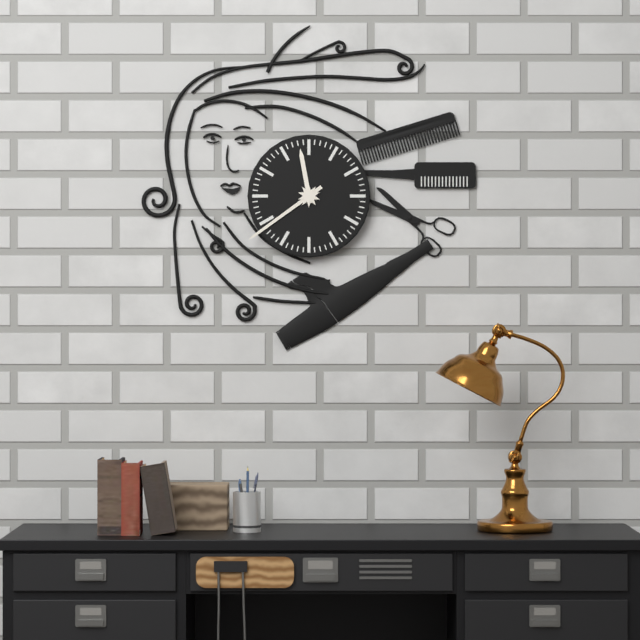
11 h 39 min
